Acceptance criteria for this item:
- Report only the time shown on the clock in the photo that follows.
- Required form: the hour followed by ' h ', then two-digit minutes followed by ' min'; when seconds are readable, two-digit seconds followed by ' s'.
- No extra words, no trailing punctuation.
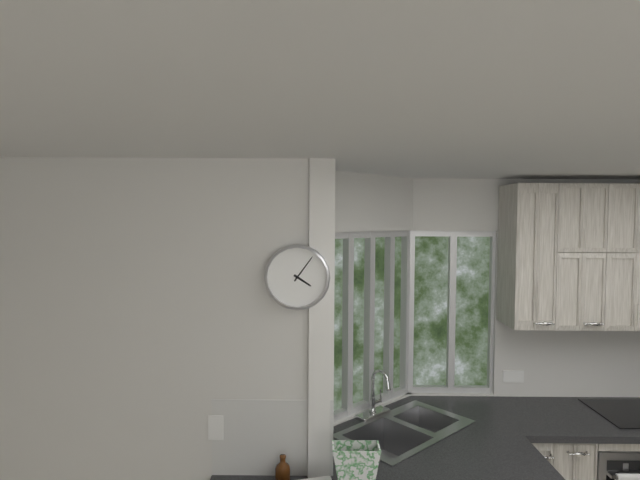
4 h 06 min
